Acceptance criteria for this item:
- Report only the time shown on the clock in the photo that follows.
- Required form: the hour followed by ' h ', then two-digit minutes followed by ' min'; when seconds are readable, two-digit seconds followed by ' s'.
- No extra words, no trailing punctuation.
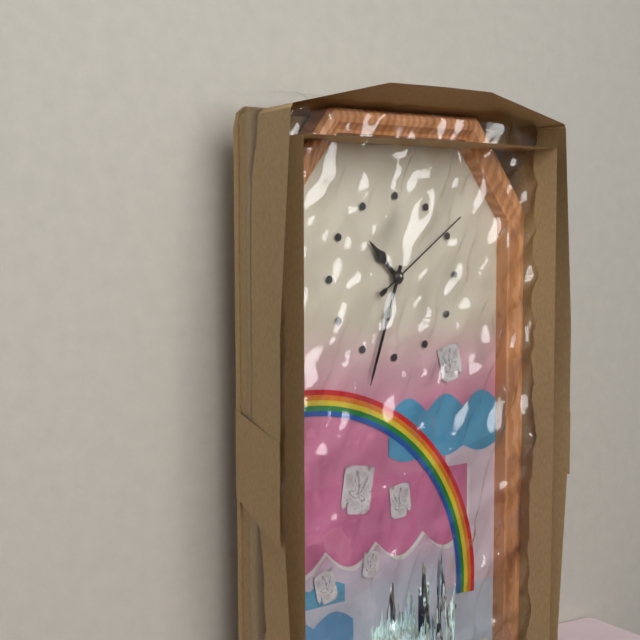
10 h 33 min 09 s
